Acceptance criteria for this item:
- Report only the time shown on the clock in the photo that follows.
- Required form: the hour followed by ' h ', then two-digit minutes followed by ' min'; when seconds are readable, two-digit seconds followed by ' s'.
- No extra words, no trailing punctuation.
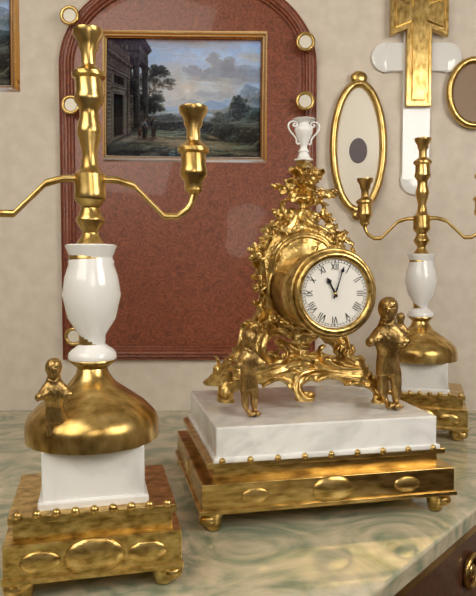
11 h 03 min
